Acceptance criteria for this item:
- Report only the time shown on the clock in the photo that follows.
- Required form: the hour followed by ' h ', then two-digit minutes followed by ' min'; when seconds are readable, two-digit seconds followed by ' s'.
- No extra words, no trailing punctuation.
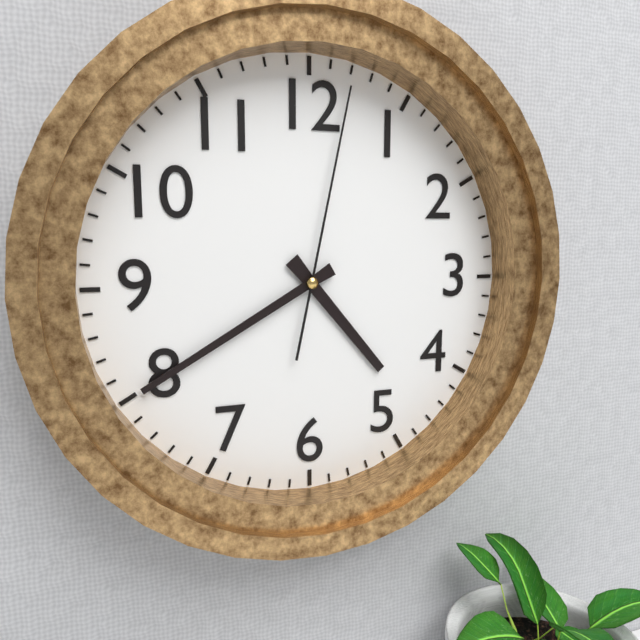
4 h 40 min 02 s
